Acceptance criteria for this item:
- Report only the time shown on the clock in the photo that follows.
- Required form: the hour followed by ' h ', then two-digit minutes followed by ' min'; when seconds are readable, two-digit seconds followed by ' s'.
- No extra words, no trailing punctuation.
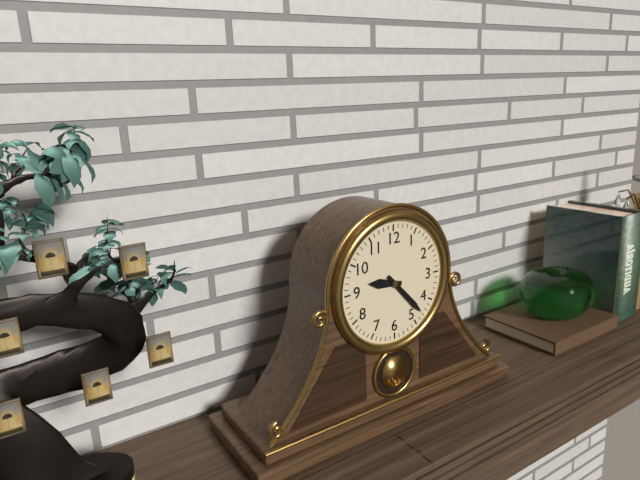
9 h 23 min
